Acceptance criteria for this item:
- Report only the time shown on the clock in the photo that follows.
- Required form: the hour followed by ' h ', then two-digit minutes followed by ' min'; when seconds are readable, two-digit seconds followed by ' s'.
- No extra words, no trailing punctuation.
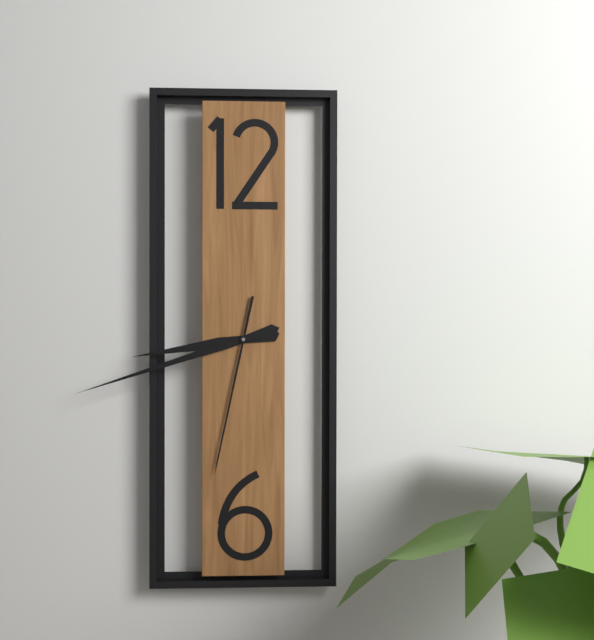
8 h 42 min 32 s
